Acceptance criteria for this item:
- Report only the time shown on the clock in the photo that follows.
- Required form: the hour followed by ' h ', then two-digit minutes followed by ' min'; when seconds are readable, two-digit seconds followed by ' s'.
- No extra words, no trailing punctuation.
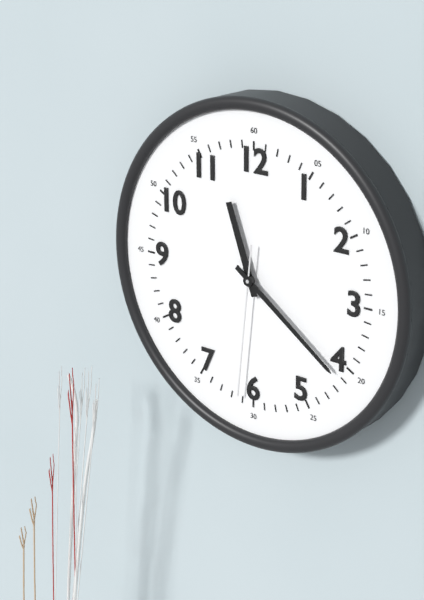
11 h 21 min 31 s
